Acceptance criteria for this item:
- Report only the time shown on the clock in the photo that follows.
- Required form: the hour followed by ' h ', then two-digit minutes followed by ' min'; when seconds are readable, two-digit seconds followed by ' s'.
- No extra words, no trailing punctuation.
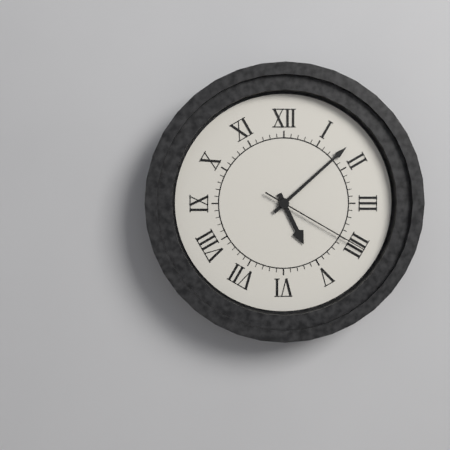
5 h 08 min 20 s
